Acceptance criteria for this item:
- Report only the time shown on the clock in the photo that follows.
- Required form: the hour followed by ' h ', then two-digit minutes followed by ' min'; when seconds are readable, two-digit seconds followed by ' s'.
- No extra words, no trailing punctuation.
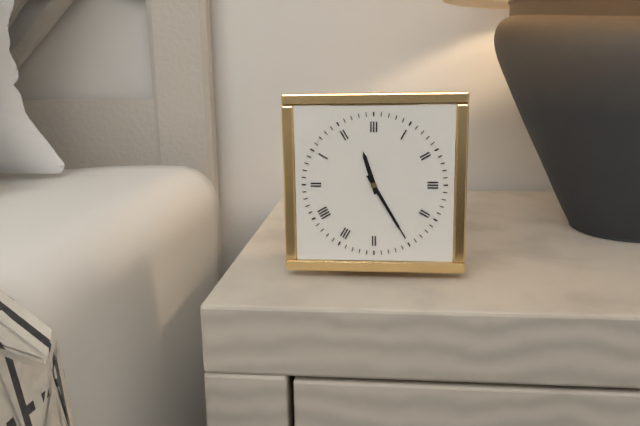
11 h 25 min
